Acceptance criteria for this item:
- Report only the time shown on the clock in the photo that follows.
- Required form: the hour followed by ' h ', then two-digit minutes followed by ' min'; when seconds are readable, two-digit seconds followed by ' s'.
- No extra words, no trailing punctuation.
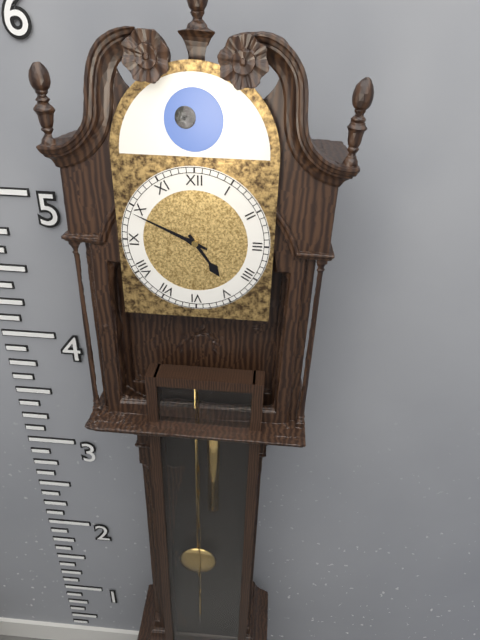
4 h 49 min
